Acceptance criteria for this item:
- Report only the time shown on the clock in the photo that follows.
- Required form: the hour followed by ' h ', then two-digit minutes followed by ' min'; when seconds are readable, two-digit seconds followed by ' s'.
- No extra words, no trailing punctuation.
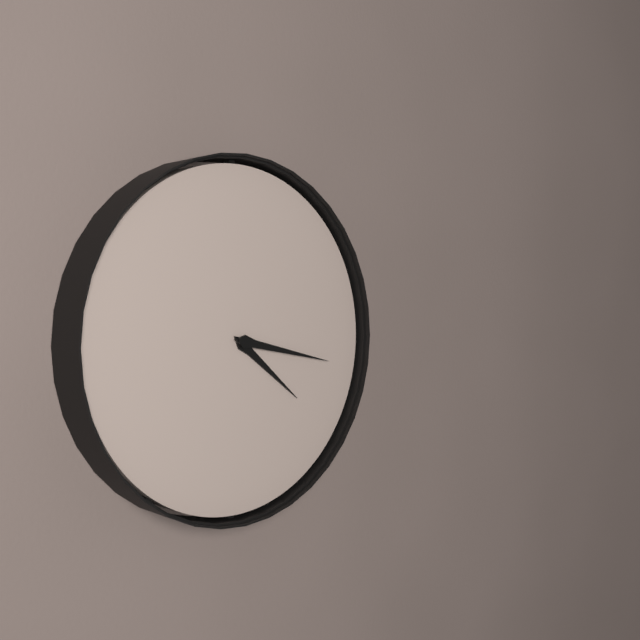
4 h 17 min
